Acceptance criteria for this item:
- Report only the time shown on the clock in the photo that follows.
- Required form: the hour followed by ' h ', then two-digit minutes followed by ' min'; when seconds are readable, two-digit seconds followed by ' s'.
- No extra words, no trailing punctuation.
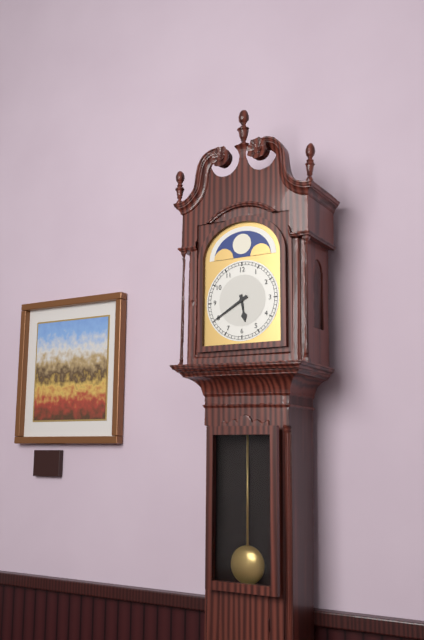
5 h 40 min
